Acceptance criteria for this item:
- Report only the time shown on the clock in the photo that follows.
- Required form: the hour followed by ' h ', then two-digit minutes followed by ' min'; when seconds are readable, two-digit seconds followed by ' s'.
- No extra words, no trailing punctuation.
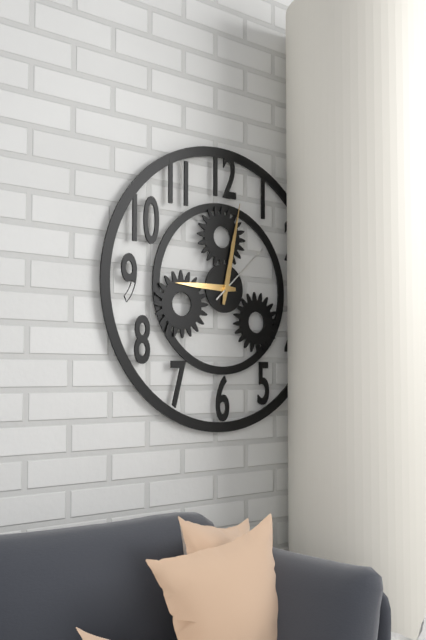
9 h 02 min 08 s
